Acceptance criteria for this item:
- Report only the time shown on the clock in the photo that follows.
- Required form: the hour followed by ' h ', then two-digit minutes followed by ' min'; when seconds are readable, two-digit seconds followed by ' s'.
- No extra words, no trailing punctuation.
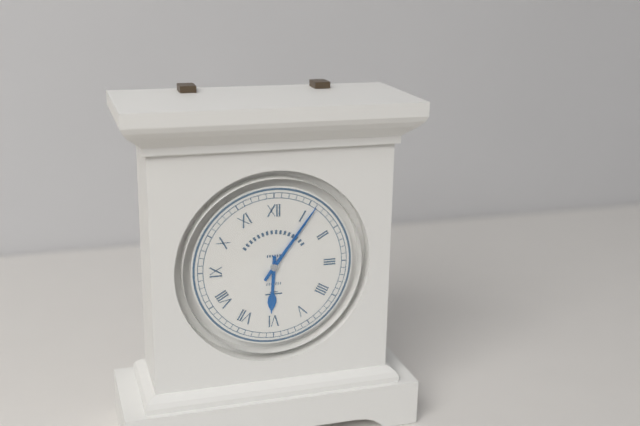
6 h 06 min
